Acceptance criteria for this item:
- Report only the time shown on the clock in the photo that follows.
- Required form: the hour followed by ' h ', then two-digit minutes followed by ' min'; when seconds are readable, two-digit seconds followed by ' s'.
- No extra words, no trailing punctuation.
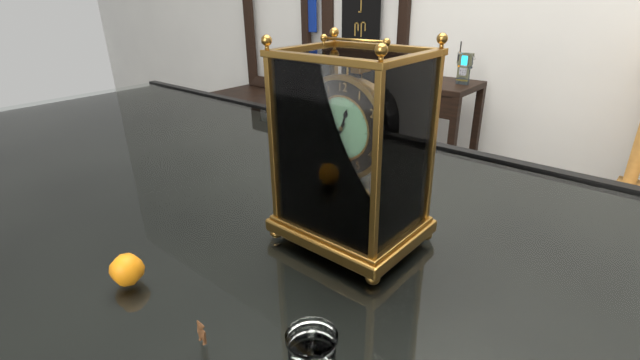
12 h 36 min
